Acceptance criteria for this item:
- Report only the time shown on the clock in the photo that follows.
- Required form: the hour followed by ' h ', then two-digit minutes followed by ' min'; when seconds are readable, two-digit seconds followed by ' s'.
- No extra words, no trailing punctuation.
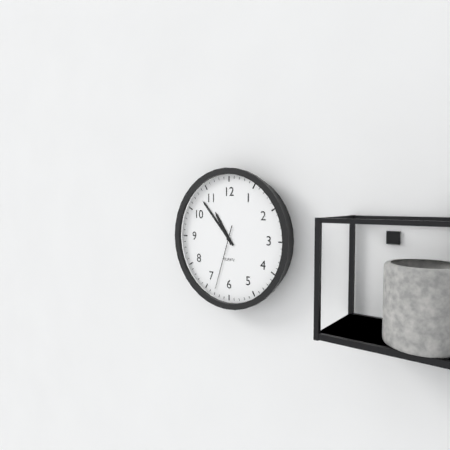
10 h 53 min 33 s
